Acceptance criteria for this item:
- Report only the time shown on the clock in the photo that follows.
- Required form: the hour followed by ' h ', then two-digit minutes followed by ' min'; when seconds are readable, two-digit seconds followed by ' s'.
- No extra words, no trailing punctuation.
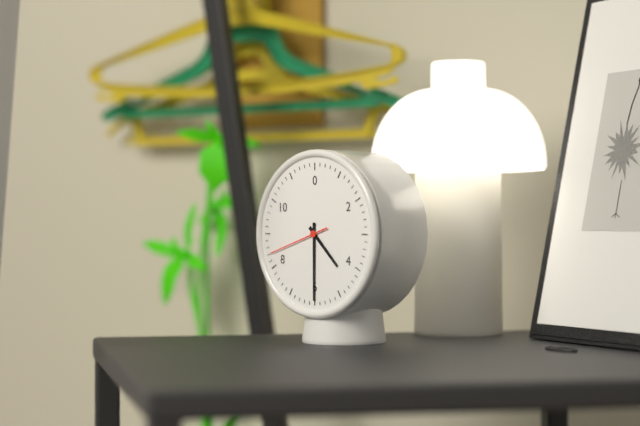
4 h 30 min 42 s
